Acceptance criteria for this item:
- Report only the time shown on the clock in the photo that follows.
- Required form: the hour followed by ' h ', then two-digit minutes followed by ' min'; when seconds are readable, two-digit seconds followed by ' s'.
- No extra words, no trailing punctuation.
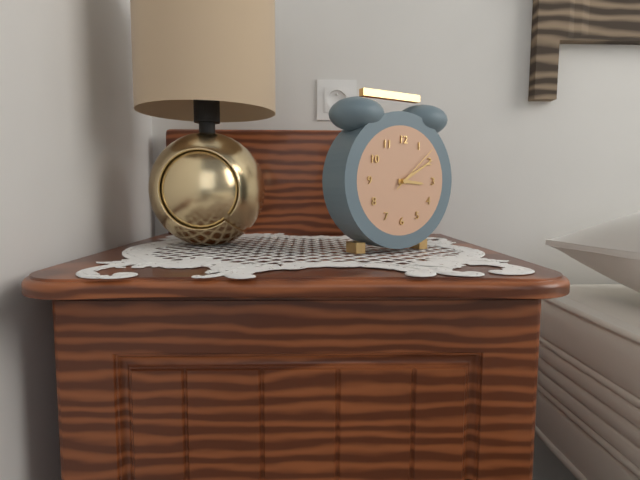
3 h 10 min 08 s
